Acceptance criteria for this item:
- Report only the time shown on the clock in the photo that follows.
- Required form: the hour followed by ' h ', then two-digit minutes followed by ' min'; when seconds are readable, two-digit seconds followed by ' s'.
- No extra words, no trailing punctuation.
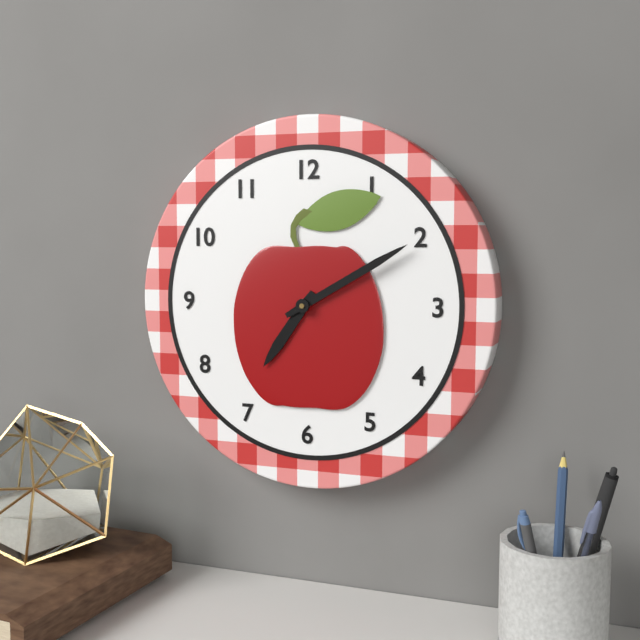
7 h 10 min
